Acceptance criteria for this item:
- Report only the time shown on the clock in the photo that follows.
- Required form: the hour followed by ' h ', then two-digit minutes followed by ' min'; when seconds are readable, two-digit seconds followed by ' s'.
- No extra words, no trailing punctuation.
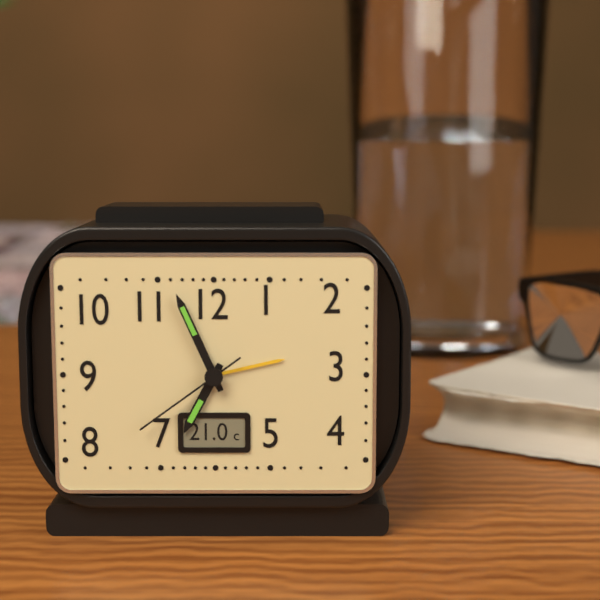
6 h 56 min 39 s
